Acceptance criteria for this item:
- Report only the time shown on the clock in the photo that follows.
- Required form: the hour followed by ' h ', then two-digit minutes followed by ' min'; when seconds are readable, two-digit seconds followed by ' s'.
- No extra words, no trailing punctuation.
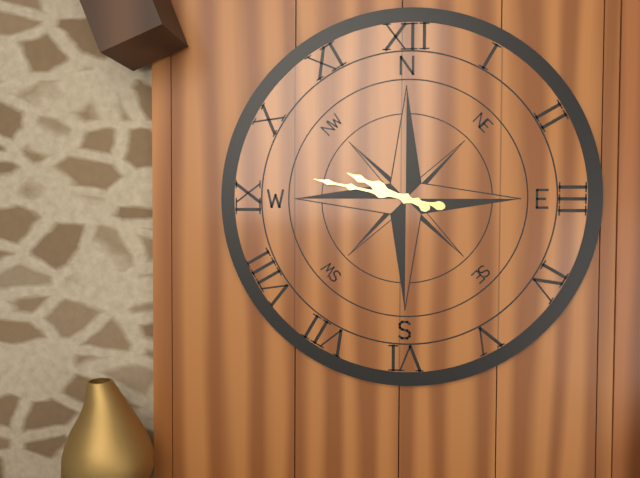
9 h 47 min
